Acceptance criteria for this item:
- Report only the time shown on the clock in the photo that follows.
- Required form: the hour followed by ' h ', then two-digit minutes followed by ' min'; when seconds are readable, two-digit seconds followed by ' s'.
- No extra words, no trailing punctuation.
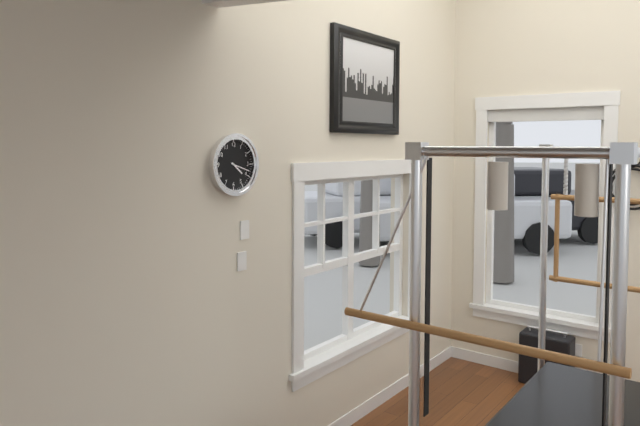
4 h 18 min
